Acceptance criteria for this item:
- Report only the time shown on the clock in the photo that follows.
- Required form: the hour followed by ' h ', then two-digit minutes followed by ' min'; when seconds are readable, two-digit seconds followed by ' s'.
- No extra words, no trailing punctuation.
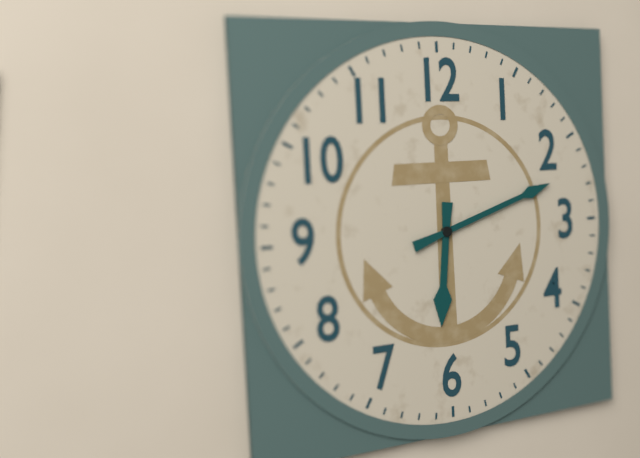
6 h 12 min
